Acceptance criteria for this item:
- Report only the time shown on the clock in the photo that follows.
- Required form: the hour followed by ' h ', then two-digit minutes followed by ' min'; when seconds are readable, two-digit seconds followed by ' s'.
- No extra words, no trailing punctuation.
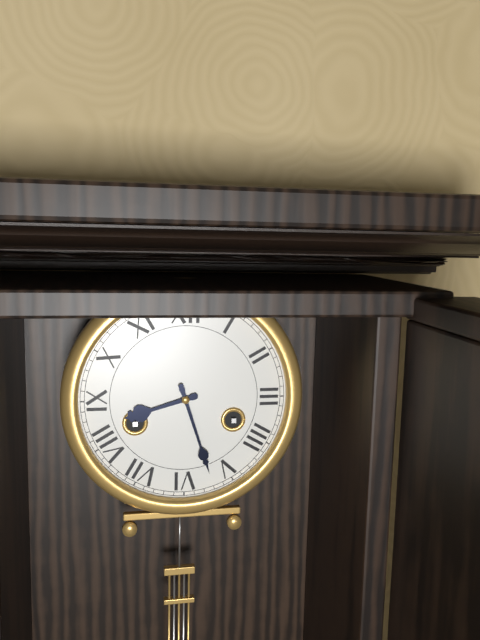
8 h 27 min
